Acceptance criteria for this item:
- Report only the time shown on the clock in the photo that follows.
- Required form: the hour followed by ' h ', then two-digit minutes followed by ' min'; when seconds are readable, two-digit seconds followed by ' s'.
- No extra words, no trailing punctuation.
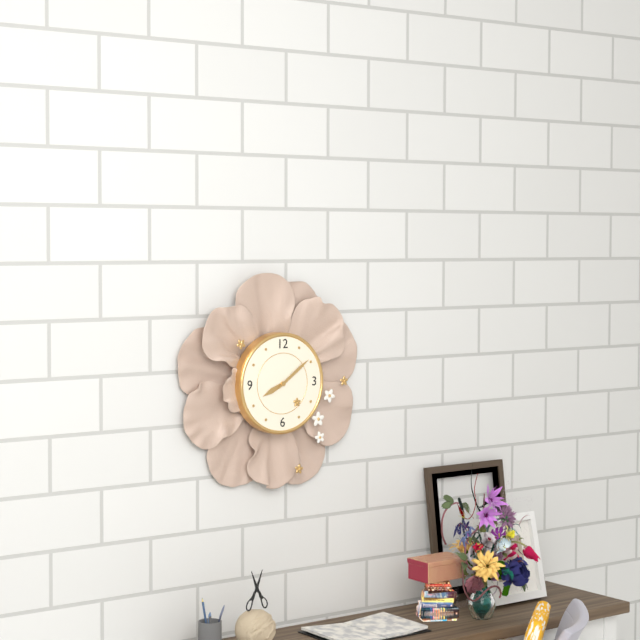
8 h 09 min
